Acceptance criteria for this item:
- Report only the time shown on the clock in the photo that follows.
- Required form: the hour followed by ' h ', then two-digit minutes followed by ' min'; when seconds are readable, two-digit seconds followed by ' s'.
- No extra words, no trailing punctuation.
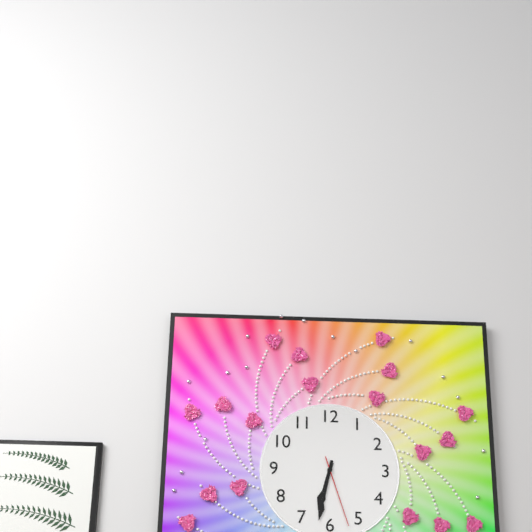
6 h 32 min 27 s
